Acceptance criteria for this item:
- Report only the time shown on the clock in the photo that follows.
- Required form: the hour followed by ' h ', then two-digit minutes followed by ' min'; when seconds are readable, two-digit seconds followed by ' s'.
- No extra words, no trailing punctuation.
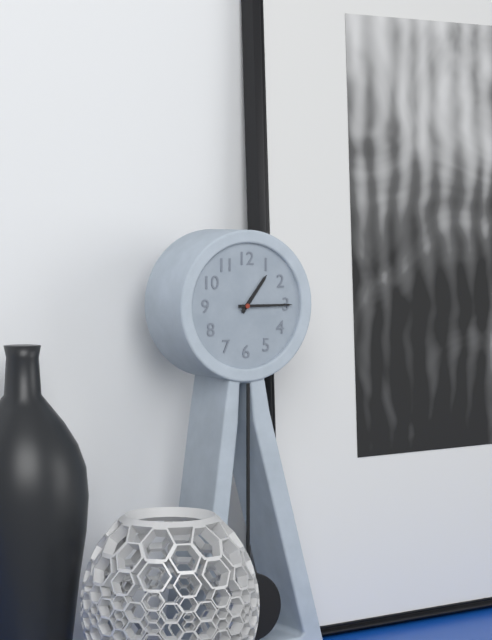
1 h 15 min
